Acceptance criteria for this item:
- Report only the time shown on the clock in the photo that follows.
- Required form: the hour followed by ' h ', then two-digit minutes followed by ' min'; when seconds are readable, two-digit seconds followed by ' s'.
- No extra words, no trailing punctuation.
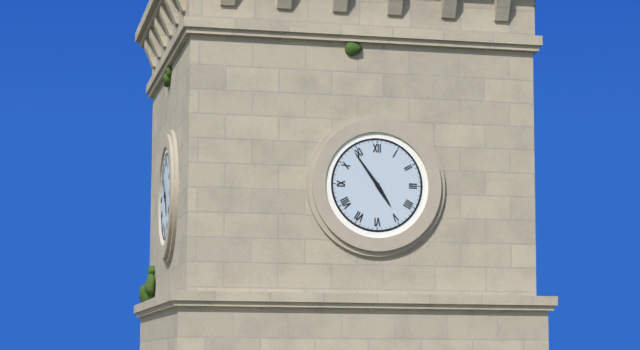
4 h 54 min
